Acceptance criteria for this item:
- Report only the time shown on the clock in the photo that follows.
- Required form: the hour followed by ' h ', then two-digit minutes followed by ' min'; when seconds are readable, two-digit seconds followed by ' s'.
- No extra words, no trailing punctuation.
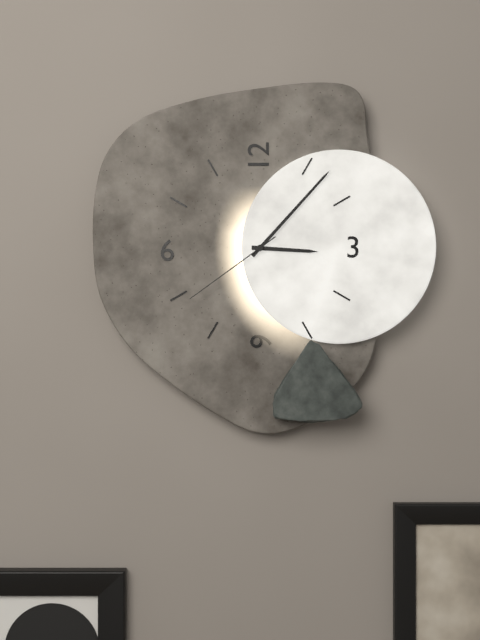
3 h 07 min 39 s
